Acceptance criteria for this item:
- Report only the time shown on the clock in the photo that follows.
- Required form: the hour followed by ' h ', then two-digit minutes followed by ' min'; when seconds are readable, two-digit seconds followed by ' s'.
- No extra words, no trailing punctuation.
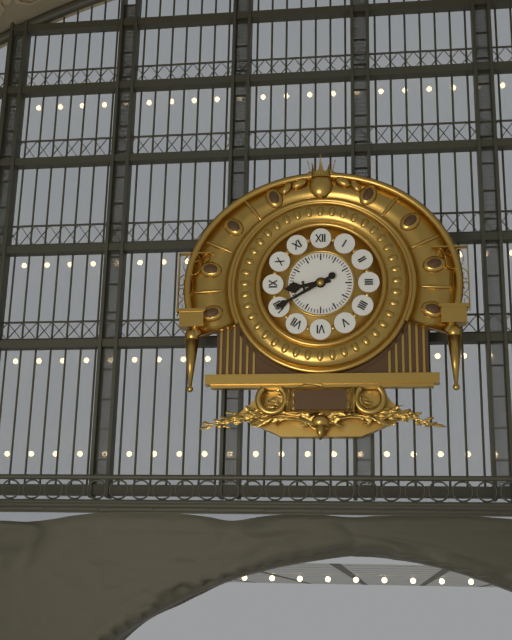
8 h 40 min
